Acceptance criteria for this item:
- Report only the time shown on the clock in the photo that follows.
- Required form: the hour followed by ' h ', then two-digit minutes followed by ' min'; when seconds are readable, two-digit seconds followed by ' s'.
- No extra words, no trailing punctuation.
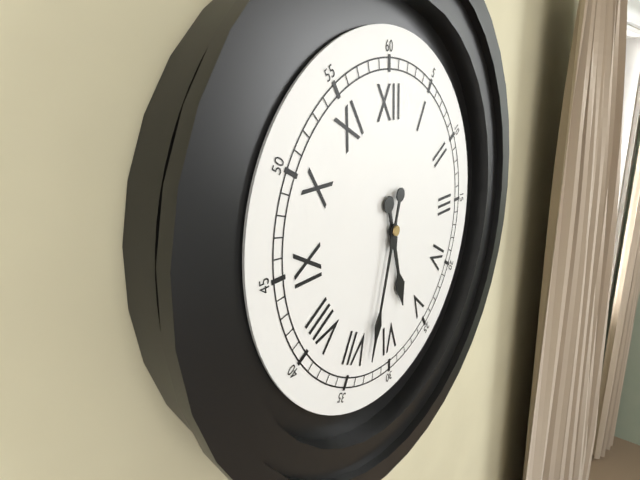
5 h 33 min
